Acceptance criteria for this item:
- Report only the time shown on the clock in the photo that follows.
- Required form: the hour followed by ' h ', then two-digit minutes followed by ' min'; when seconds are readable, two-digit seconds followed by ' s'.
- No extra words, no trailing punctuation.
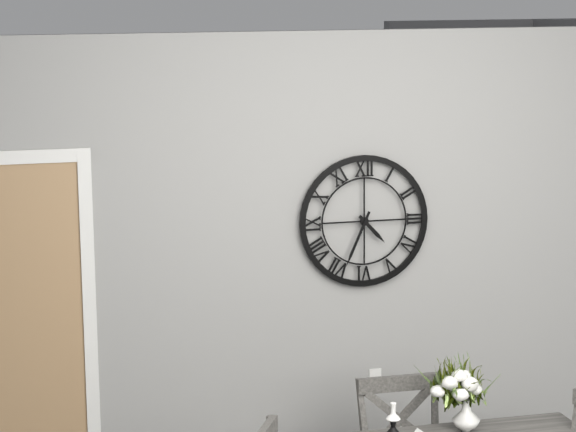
4 h 34 min
